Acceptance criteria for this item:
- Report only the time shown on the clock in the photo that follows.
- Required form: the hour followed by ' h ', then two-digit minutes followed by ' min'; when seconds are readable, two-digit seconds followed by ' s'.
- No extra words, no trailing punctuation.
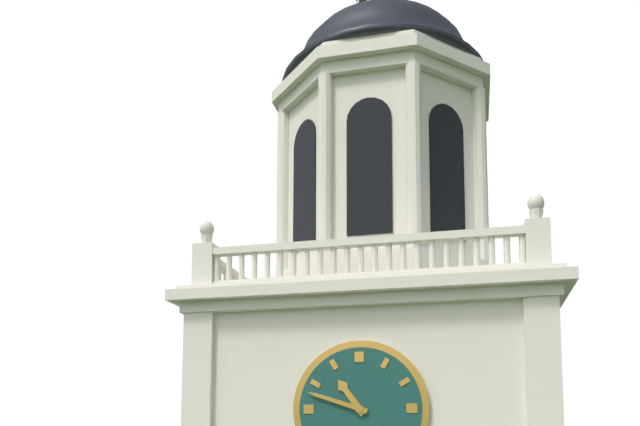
10 h 48 min
